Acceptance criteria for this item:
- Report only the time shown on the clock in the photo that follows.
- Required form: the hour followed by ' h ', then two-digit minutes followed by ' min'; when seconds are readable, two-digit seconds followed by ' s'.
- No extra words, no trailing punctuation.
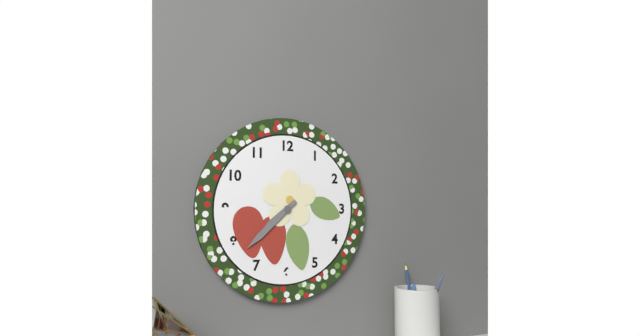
7 h 38 min
